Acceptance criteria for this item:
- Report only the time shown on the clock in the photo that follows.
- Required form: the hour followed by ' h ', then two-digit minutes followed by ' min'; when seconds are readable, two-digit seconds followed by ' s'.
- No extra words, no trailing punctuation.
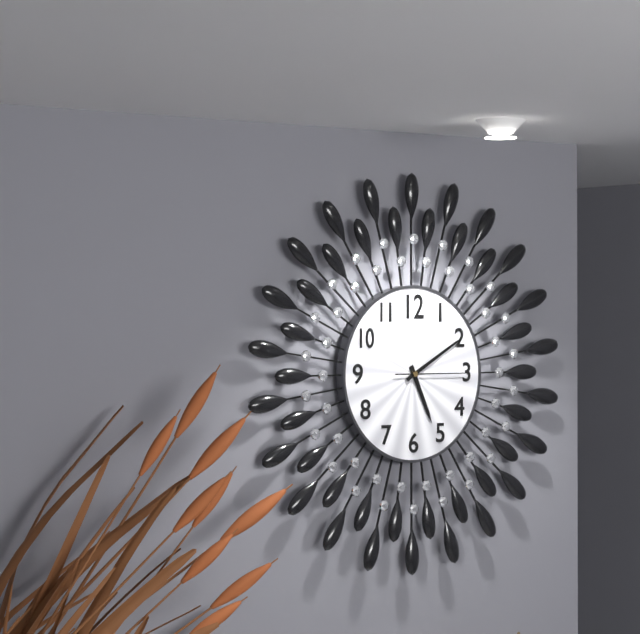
5 h 10 min 15 s
